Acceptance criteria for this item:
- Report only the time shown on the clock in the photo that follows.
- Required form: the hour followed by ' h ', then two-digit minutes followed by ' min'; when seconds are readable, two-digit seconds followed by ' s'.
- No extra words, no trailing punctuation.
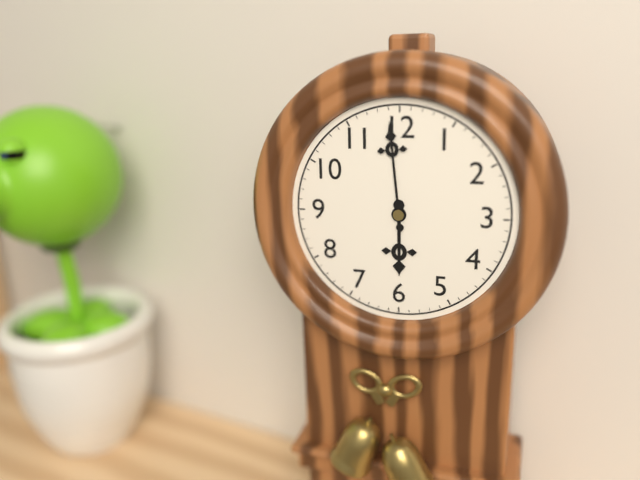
5 h 59 min
